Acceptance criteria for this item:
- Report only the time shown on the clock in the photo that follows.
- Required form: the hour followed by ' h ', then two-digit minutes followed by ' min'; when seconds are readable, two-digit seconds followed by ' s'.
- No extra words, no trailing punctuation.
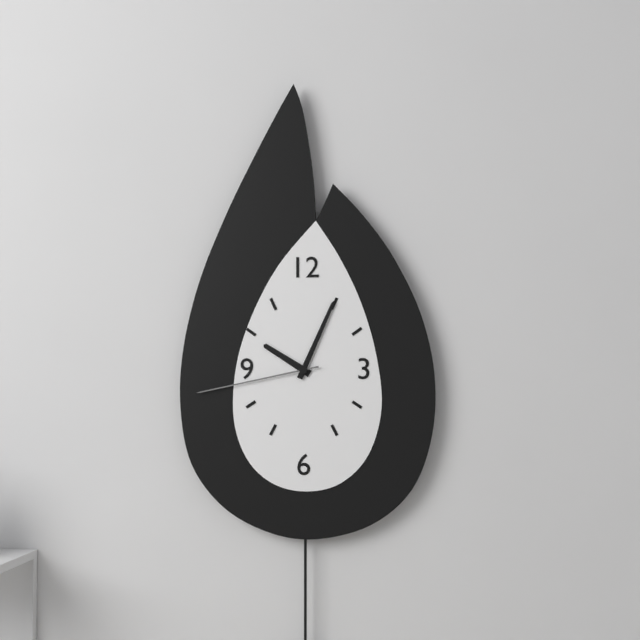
10 h 04 min 43 s
